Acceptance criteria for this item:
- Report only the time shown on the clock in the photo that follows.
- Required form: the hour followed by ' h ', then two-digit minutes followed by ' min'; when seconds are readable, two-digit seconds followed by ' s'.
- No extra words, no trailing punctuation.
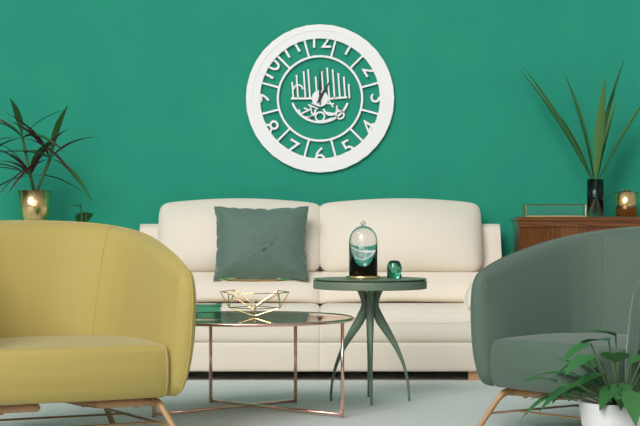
1 h 00 min
